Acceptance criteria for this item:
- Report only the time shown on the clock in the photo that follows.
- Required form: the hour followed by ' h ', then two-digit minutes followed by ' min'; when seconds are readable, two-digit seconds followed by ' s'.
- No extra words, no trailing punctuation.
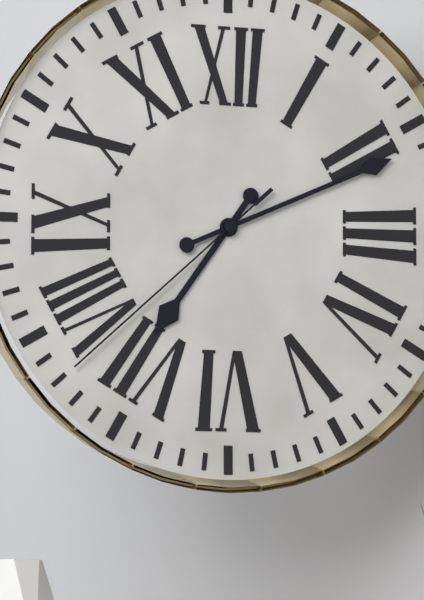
7 h 11 min 38 s
